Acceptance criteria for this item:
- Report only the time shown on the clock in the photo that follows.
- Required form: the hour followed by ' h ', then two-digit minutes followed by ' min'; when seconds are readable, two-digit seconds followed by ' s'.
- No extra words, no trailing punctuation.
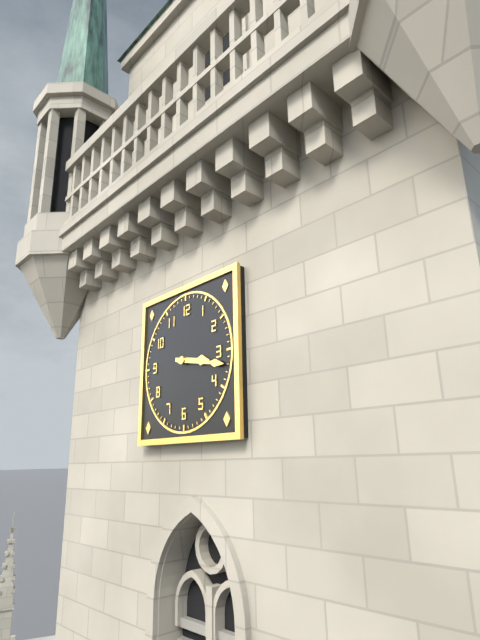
3 h 17 min
